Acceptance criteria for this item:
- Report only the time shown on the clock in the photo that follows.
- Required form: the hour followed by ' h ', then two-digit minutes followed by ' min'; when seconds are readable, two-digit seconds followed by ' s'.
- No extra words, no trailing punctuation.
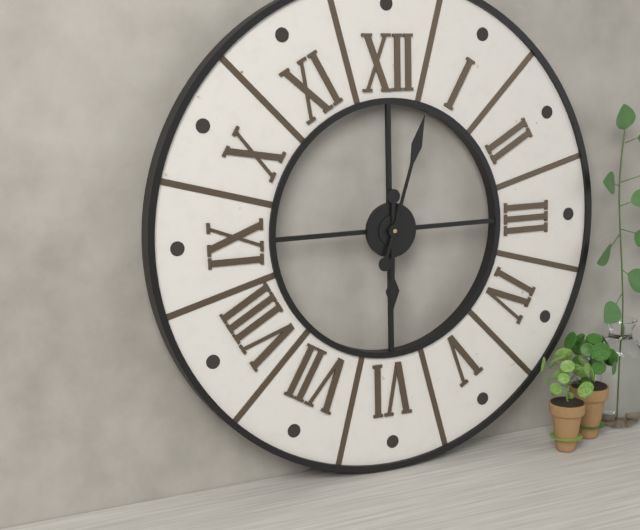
6 h 03 min
